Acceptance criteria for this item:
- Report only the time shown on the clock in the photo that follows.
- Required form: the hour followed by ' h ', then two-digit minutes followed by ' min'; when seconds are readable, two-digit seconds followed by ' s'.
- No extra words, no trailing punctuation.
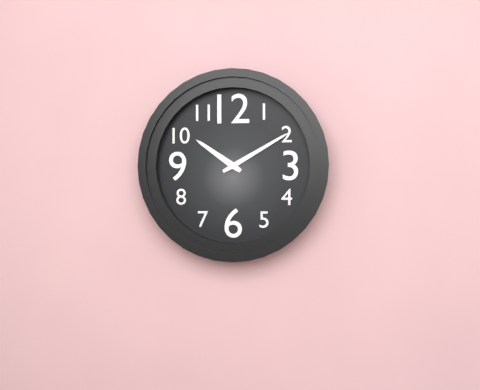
10 h 10 min
